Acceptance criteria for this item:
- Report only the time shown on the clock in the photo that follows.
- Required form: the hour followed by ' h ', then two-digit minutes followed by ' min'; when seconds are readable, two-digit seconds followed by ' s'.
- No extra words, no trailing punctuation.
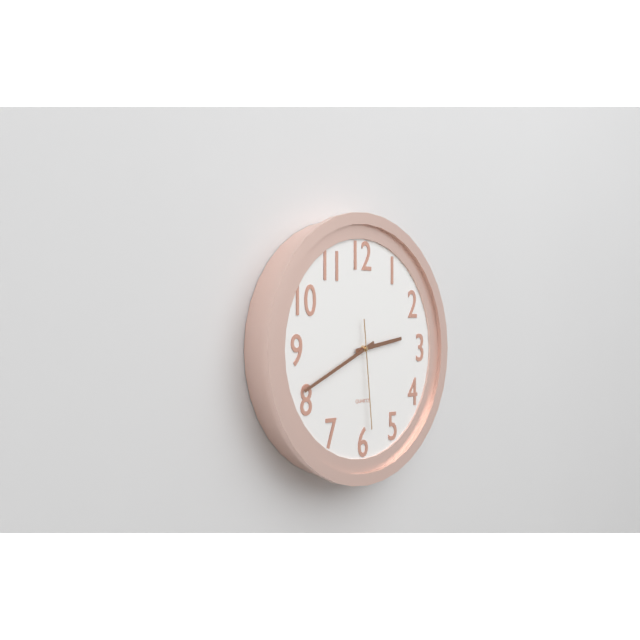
2 h 41 min 29 s
